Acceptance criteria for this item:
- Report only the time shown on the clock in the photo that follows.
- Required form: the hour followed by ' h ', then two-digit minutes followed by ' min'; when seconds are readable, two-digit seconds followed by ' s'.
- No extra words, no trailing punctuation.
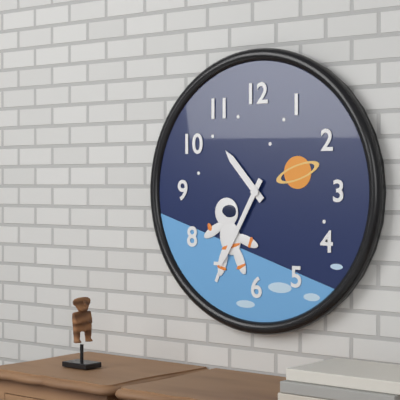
10 h 35 min
